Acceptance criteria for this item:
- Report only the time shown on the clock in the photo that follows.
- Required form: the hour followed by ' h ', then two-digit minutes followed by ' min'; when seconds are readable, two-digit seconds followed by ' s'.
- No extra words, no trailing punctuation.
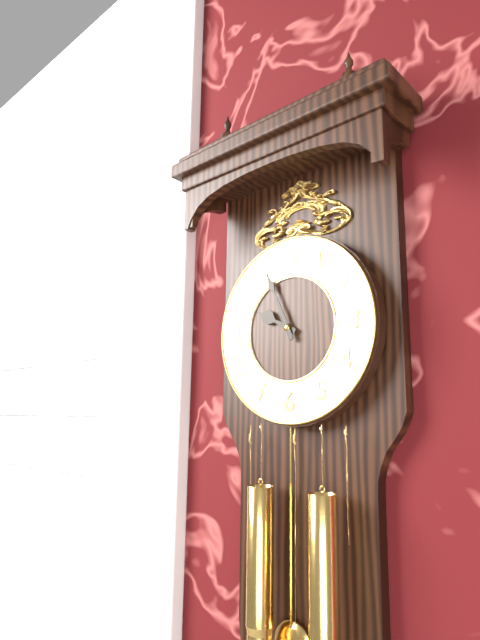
9 h 56 min
